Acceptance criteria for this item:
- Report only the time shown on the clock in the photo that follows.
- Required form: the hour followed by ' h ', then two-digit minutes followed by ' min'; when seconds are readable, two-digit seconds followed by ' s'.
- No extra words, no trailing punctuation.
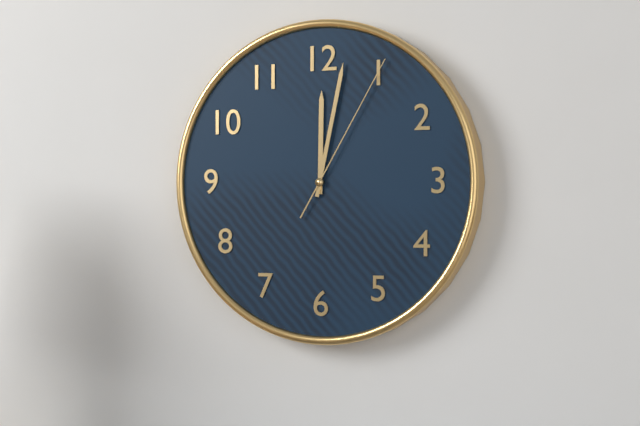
12 h 02 min 05 s
